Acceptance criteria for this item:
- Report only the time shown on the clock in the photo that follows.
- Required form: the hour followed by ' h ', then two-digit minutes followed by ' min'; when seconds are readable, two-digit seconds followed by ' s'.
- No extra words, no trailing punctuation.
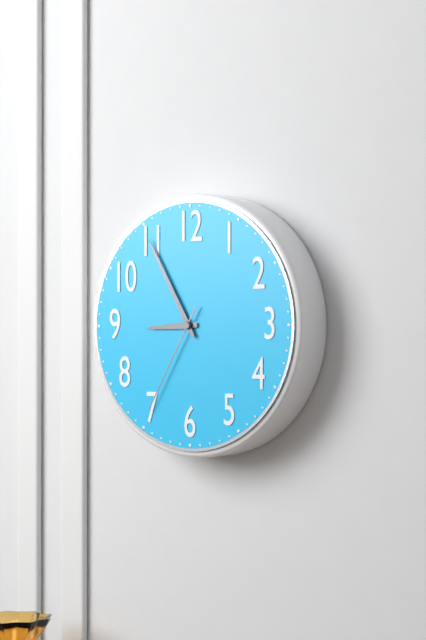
8 h 55 min 35 s
